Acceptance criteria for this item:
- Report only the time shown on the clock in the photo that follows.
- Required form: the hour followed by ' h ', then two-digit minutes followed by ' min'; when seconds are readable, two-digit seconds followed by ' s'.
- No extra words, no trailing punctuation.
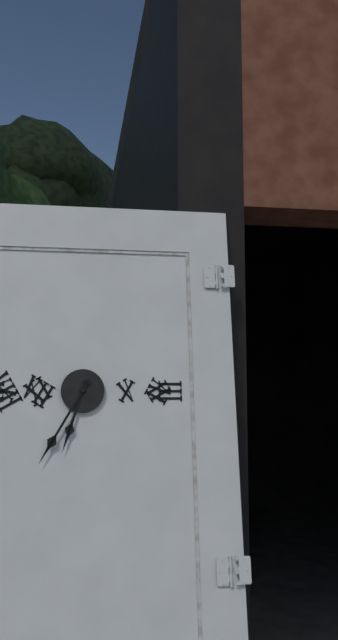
6 h 35 min
